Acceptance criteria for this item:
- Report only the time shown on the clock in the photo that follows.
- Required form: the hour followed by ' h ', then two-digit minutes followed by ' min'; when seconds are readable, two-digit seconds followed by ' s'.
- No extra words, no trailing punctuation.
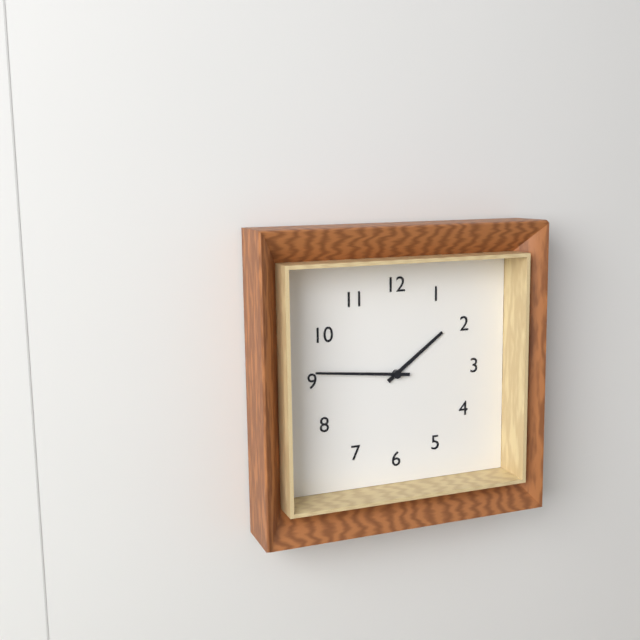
1 h 46 min
